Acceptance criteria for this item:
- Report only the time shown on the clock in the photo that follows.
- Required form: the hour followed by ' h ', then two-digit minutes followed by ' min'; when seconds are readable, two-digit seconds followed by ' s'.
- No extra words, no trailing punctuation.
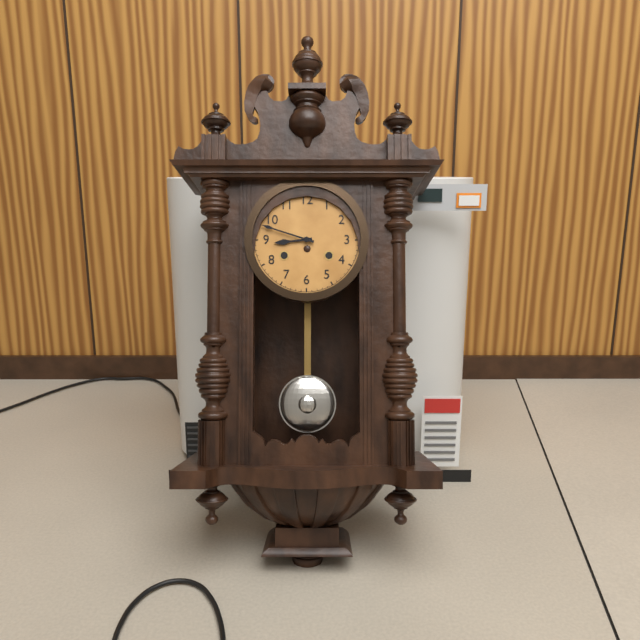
8 h 48 min
